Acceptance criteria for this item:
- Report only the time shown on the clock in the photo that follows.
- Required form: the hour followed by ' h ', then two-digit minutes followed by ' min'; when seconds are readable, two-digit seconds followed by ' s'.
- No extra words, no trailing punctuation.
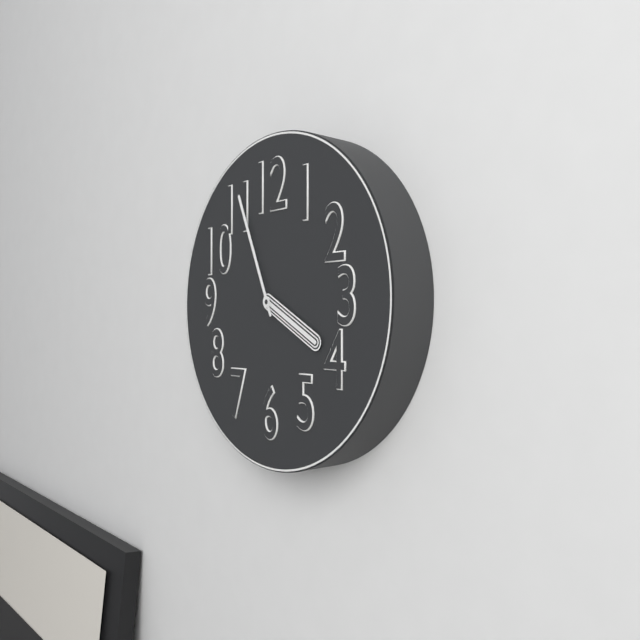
3 h 56 min
